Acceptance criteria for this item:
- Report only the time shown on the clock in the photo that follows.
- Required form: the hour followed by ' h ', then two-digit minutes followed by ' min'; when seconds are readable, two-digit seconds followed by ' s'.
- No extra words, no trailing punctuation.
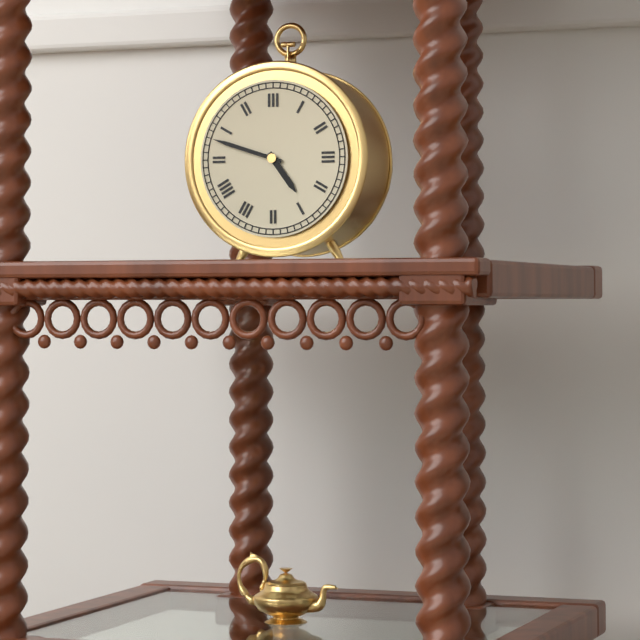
4 h 48 min
